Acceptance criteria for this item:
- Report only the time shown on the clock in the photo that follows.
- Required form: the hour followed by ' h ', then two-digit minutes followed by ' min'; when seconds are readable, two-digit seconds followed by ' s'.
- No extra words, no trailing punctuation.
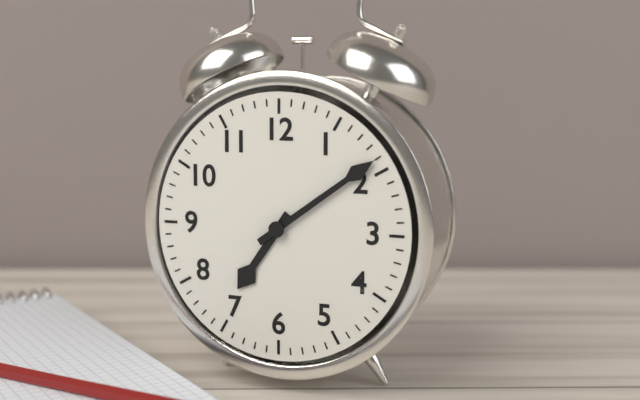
7 h 09 min
